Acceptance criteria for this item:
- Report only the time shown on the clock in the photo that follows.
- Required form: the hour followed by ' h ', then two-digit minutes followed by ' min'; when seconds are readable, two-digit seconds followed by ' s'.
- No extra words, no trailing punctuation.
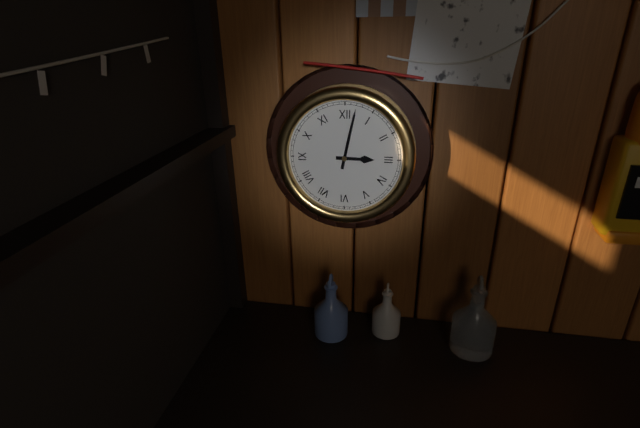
3 h 02 min
